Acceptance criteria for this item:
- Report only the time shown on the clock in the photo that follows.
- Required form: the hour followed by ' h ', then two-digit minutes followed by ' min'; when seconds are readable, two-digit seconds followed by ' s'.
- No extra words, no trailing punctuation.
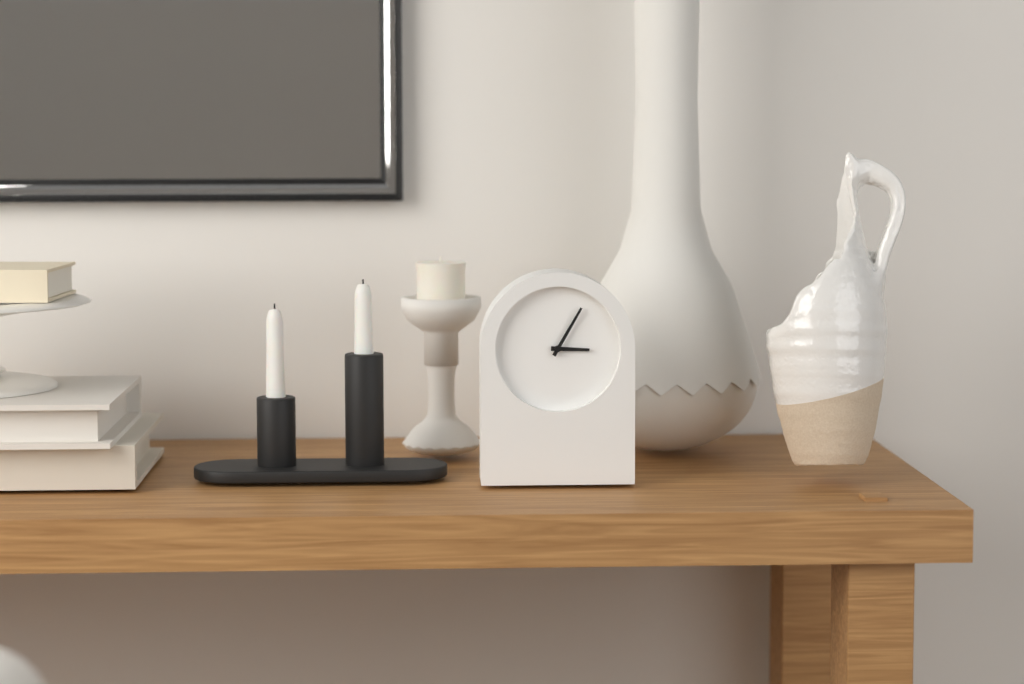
3 h 05 min
